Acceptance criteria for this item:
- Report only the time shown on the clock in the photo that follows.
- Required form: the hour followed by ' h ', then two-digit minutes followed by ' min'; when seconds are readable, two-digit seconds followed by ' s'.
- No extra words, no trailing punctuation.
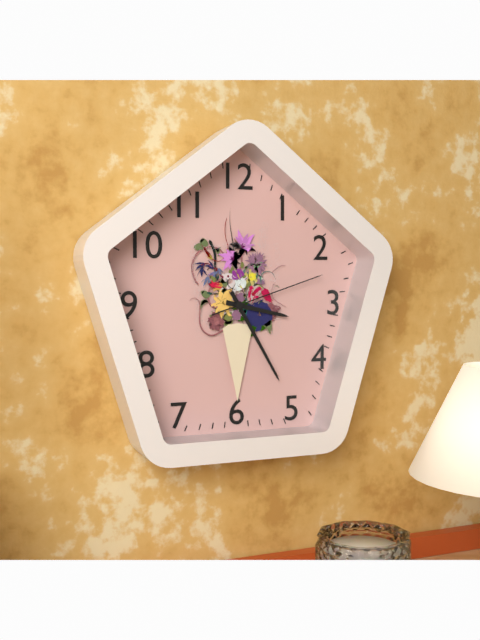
3 h 25 min 12 s
